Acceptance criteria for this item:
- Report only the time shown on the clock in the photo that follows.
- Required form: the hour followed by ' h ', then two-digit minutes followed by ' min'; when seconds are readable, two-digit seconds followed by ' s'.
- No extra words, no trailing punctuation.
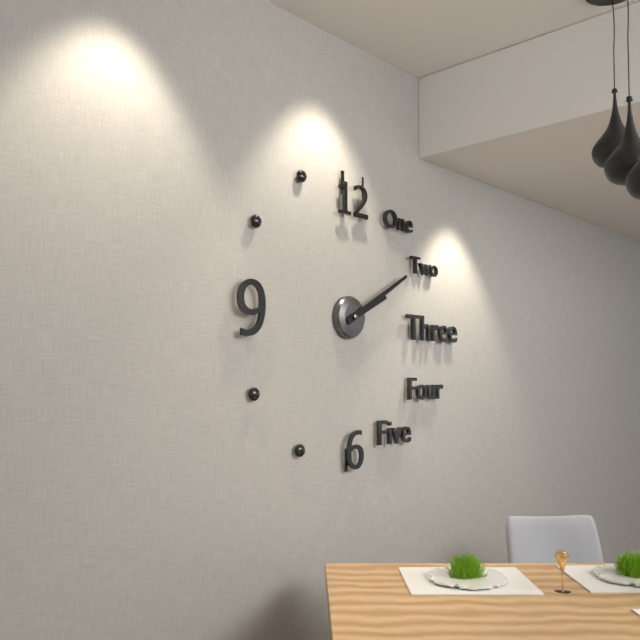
2 h 10 min
